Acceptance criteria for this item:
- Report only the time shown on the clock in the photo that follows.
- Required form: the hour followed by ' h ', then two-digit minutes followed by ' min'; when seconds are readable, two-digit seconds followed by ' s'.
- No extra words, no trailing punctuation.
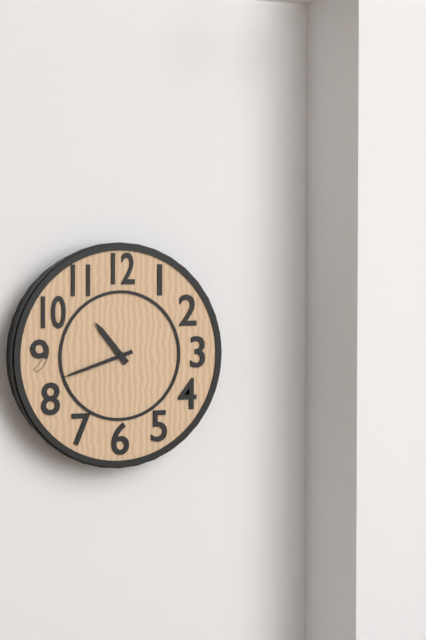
10 h 42 min
